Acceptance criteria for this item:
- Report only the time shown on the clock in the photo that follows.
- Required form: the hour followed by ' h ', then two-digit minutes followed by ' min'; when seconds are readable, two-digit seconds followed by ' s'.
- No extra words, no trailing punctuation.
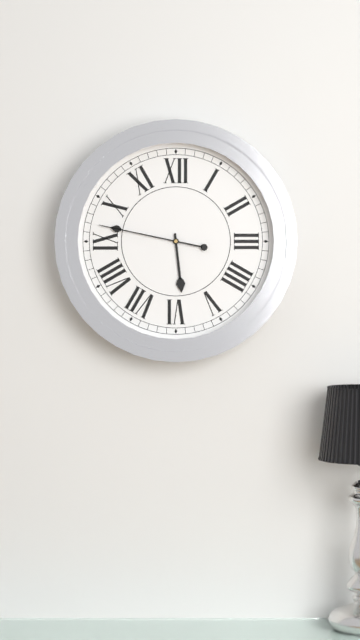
5 h 47 min
